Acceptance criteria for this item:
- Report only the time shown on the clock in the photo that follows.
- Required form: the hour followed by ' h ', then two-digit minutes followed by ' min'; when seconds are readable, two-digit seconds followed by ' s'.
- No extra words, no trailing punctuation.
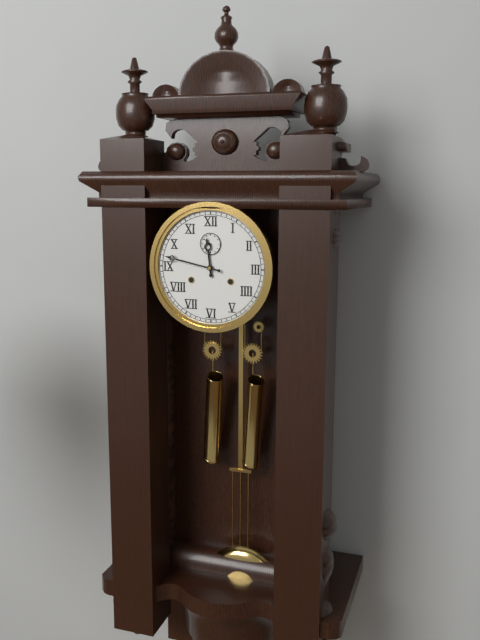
11 h 47 min
